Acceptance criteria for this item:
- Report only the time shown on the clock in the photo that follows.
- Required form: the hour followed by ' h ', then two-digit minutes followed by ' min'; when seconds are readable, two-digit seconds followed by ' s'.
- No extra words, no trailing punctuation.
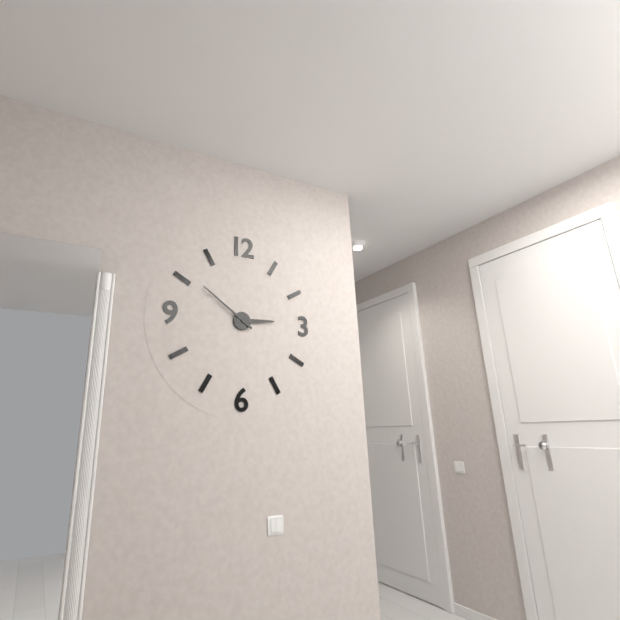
2 h 51 min
